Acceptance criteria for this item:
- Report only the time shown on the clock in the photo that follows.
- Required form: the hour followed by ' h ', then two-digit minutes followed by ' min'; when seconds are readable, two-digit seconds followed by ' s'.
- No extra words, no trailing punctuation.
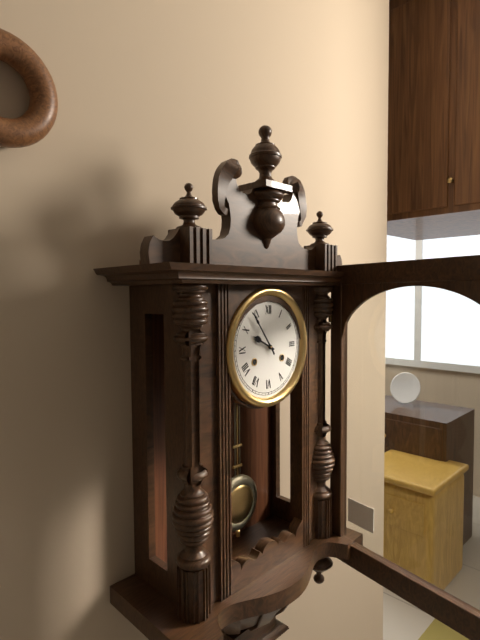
9 h 54 min
